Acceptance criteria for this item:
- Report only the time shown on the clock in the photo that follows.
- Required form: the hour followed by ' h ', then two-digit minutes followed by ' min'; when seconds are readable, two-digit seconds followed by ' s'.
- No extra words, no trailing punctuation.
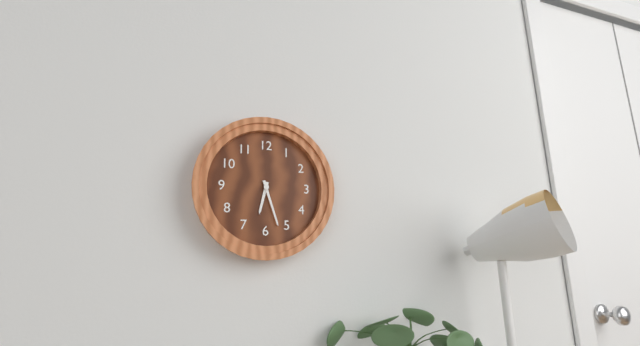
6 h 27 min
